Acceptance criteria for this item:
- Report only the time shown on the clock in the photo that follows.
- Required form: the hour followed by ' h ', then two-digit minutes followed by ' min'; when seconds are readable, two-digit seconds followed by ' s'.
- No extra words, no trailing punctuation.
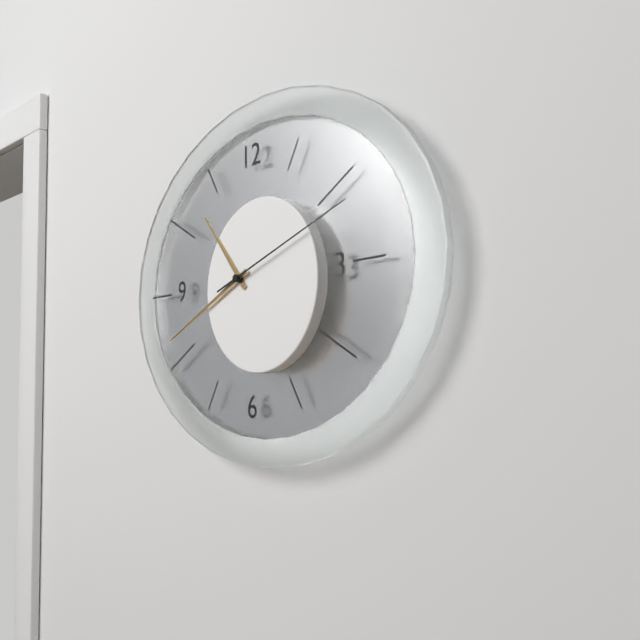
10 h 41 min 12 s
